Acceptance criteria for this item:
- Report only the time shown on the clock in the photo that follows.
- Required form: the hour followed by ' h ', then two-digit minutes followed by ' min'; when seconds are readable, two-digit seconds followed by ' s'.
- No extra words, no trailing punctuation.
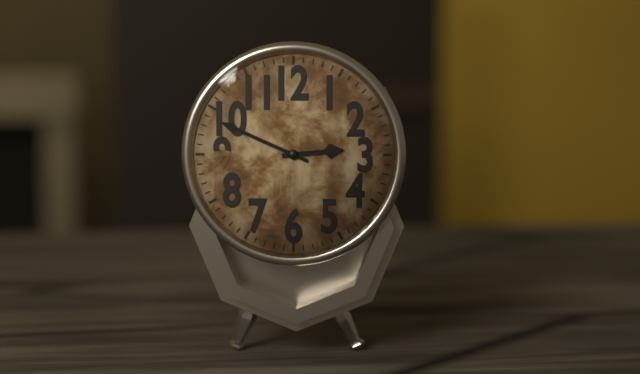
2 h 49 min
